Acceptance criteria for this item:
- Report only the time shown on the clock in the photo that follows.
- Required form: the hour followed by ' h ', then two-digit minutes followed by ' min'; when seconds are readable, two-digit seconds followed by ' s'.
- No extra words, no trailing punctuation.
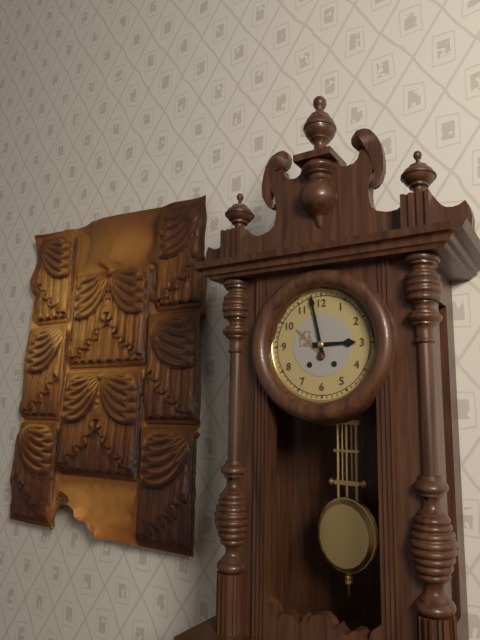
2 h 58 min
